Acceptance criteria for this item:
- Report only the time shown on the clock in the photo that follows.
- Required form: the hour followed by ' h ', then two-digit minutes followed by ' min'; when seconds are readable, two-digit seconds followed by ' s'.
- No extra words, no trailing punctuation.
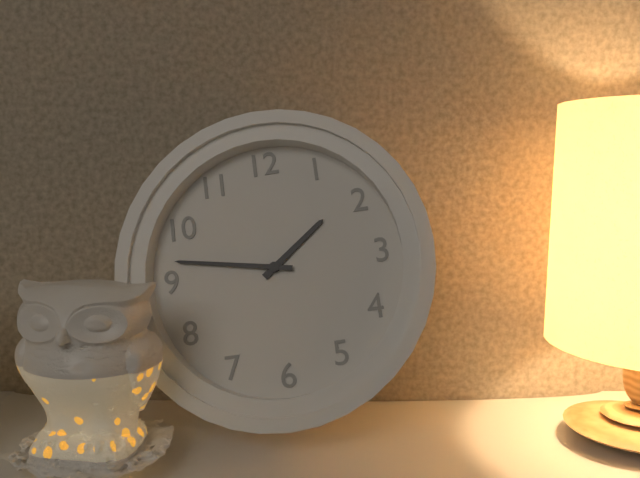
1 h 47 min
